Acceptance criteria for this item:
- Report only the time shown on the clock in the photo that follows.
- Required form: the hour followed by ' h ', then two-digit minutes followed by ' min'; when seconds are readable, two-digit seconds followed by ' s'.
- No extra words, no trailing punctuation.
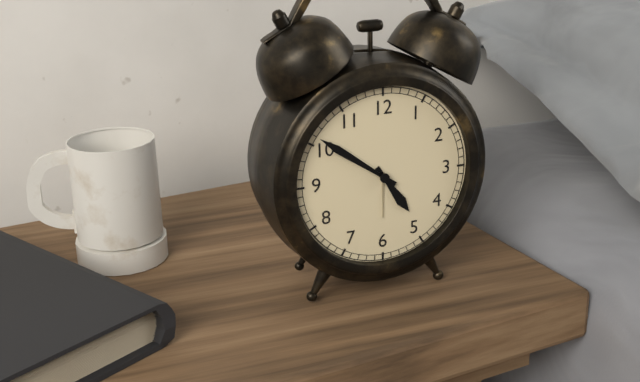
4 h 51 min
